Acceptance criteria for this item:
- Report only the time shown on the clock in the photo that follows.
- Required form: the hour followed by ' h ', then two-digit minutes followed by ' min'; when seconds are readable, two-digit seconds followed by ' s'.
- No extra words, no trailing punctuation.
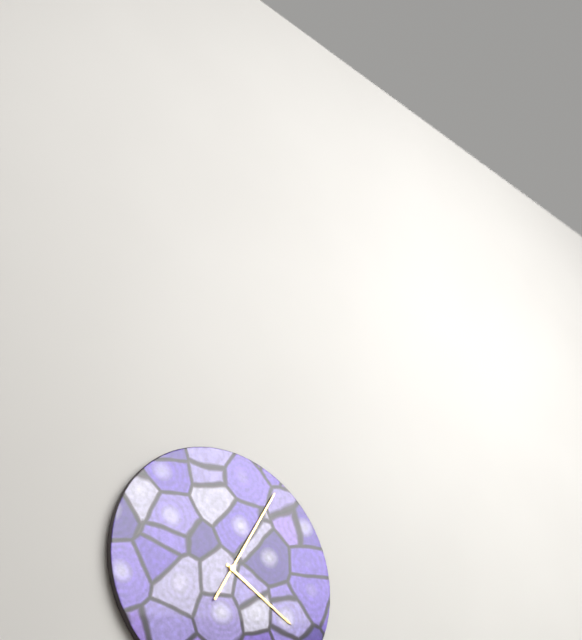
4 h 05 min
